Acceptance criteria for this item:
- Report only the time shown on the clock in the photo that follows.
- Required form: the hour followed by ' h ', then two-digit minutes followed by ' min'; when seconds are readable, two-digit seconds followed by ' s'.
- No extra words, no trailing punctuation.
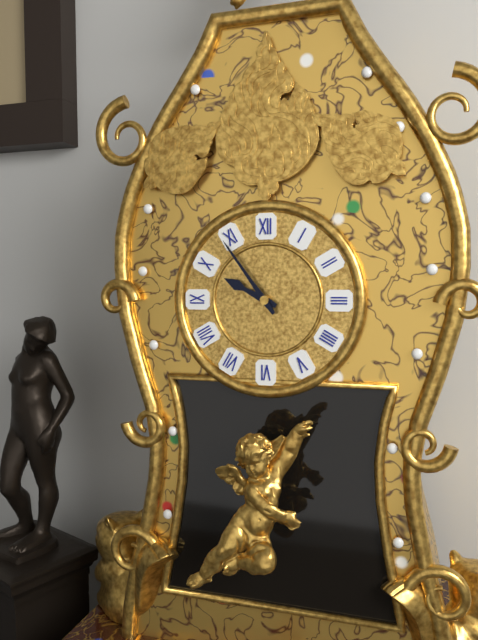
9 h 54 min
